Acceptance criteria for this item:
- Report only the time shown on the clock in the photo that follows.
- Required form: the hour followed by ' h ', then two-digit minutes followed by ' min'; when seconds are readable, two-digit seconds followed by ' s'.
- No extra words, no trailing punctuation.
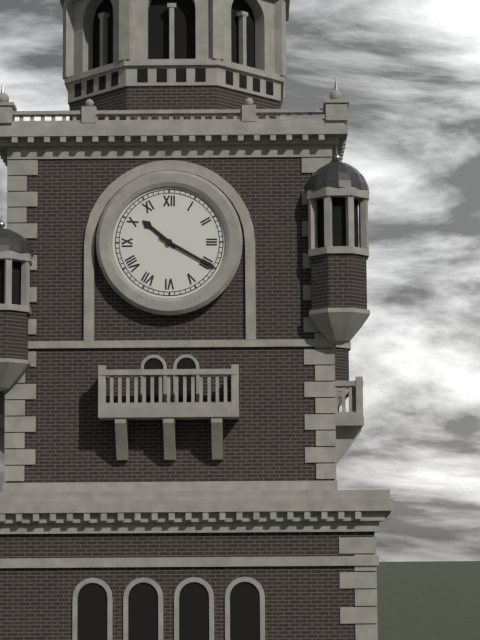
10 h 20 min
